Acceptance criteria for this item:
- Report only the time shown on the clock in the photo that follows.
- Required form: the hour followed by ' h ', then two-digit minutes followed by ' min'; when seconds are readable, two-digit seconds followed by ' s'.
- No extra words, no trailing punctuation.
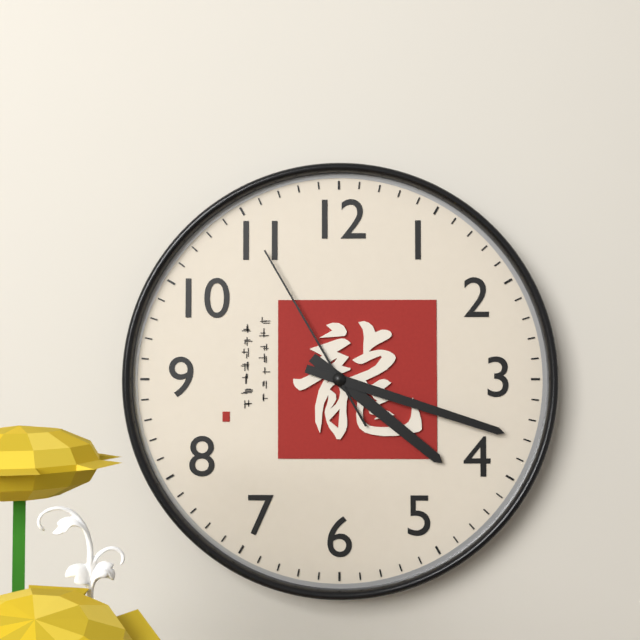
4 h 18 min 55 s
